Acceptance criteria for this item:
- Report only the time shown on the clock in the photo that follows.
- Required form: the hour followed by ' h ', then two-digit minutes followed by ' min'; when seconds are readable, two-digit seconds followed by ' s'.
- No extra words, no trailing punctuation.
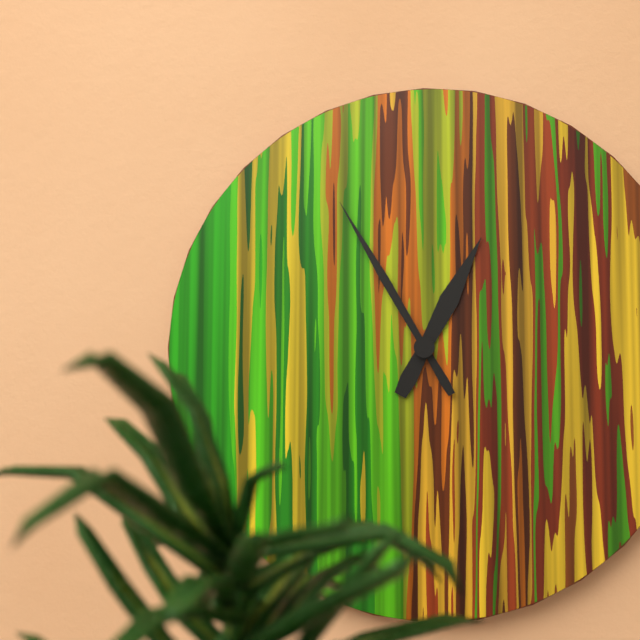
12 h 55 min
